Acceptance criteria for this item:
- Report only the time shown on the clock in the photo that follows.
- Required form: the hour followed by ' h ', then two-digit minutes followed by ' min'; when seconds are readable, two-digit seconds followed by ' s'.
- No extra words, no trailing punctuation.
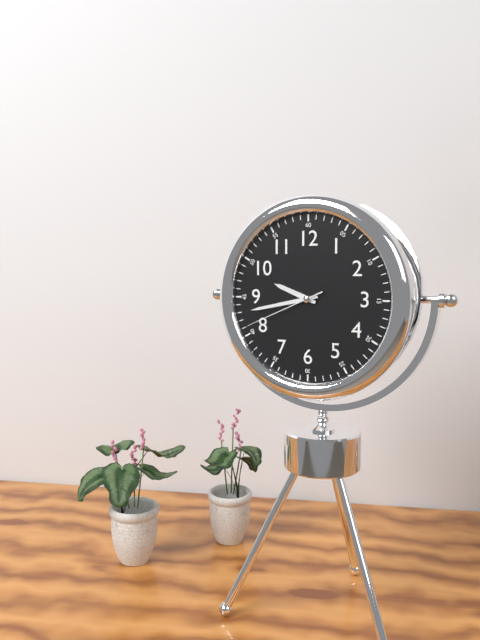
9 h 43 min 41 s
